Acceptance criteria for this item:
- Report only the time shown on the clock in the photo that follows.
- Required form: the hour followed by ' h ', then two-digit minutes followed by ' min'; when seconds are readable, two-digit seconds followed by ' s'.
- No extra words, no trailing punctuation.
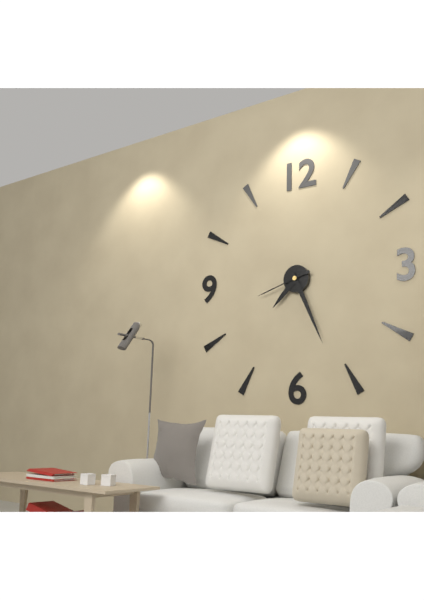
7 h 26 min 42 s
